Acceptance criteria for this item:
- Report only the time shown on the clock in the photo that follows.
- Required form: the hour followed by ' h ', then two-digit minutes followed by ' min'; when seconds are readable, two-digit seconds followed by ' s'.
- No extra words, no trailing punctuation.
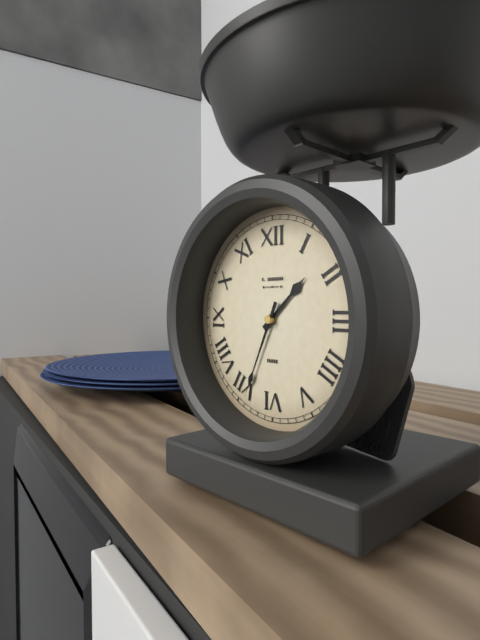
1 h 34 min
